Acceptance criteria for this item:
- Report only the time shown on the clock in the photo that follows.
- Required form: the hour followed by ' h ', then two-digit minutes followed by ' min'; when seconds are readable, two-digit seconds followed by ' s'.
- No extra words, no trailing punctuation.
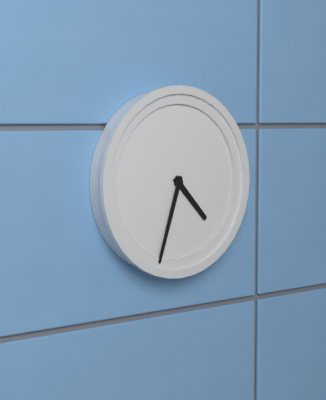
4 h 33 min
